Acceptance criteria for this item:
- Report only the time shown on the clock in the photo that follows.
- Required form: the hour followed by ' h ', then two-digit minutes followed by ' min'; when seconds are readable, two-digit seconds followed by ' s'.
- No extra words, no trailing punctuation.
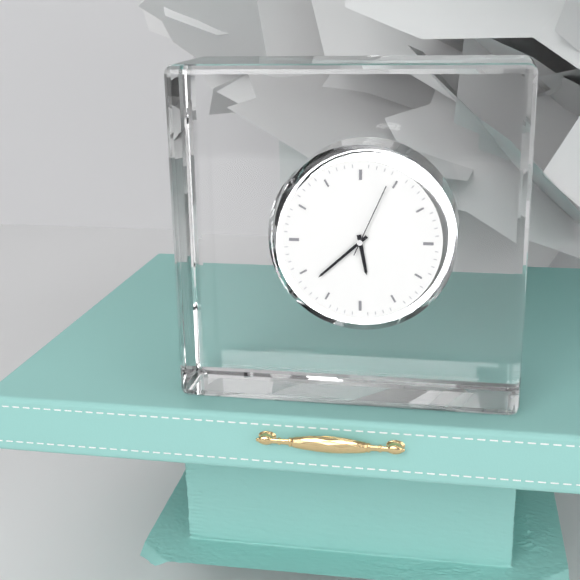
5 h 38 min 04 s
